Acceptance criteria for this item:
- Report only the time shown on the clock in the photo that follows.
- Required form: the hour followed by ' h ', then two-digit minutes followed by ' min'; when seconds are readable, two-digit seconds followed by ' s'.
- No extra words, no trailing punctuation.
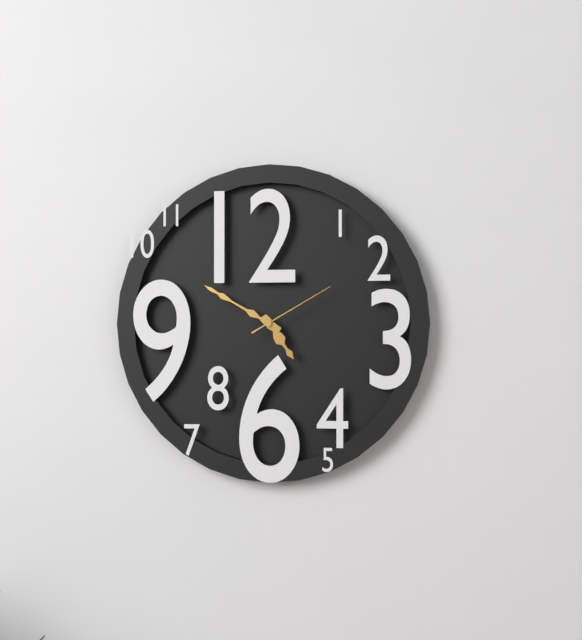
4 h 50 min 10 s
